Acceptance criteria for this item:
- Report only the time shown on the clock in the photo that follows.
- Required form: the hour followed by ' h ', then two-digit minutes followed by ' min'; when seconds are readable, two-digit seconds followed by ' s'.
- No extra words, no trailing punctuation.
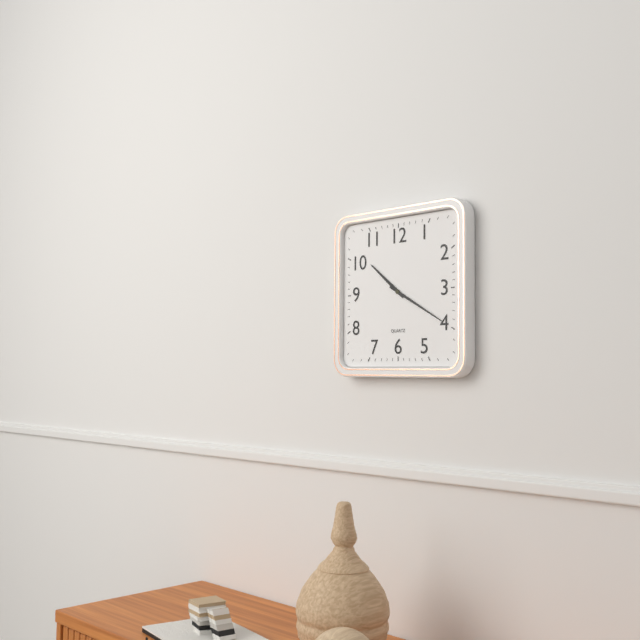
10 h 20 min
